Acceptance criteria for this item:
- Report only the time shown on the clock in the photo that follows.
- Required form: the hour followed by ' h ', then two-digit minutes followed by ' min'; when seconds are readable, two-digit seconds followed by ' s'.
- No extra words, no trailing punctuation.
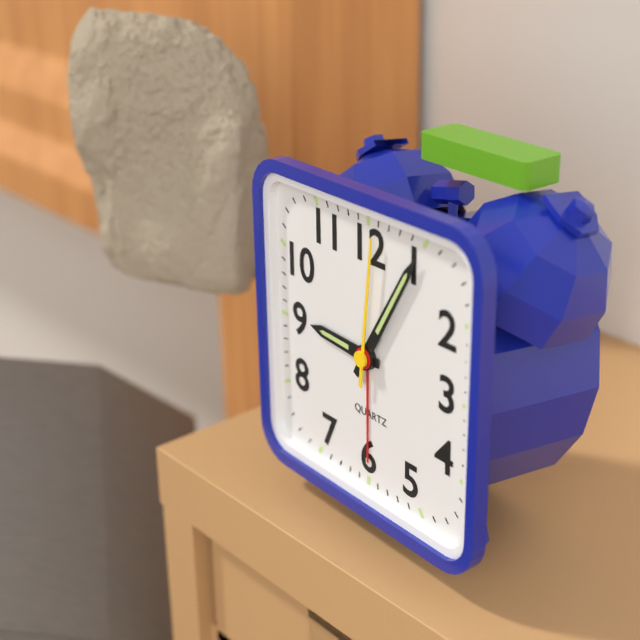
9 h 05 min 01 s
